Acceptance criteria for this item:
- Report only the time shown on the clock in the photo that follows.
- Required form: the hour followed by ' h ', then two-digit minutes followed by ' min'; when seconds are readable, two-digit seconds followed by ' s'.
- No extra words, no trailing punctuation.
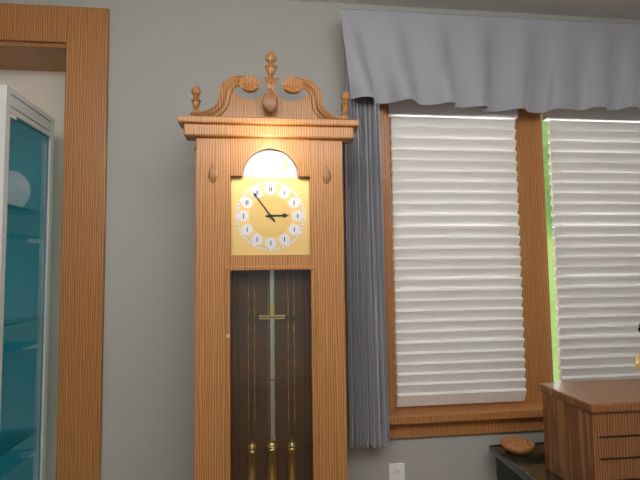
2 h 54 min
